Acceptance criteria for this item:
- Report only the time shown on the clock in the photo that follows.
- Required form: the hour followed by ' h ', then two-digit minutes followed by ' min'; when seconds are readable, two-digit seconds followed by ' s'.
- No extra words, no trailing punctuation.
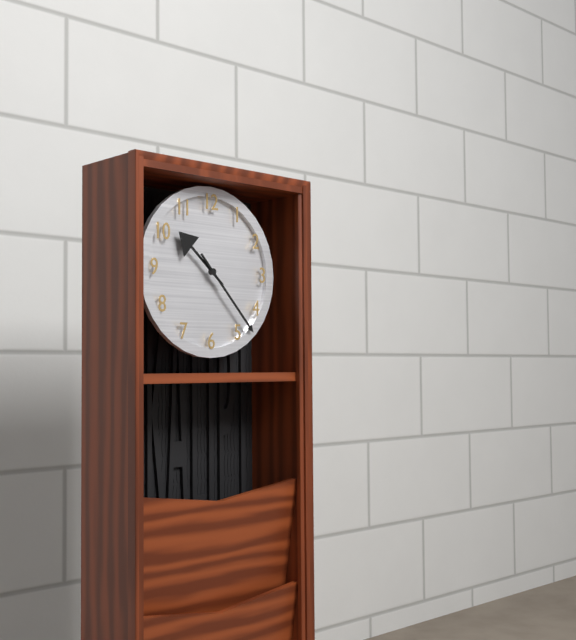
10 h 23 min
